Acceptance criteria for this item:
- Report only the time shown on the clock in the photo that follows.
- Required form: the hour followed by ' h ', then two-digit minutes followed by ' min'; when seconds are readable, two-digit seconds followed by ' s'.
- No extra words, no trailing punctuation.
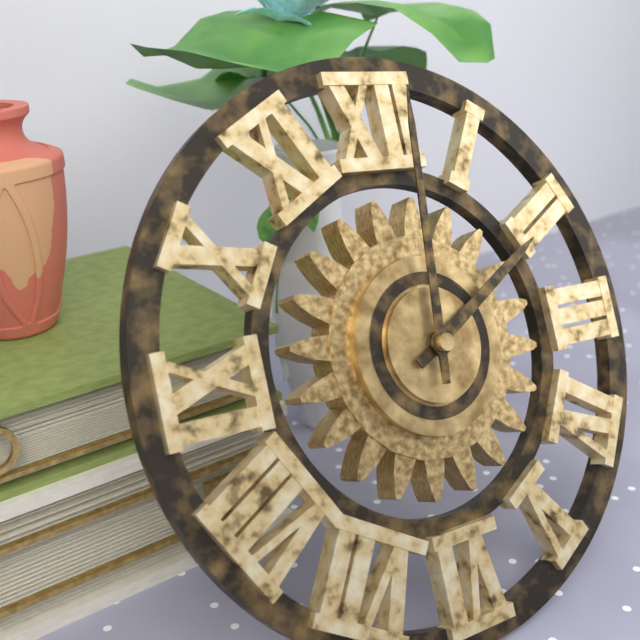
2 h 01 min
